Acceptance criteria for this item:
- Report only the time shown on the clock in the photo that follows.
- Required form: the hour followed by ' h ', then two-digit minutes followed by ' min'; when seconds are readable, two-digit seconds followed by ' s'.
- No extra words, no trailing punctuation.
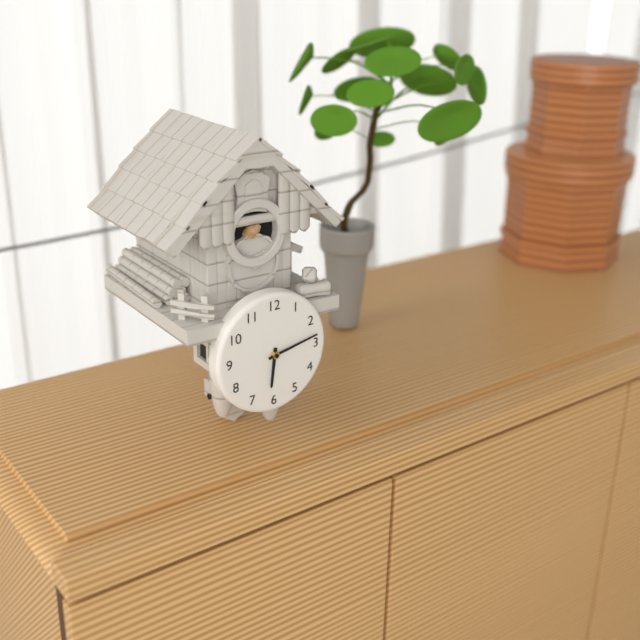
6 h 13 min
